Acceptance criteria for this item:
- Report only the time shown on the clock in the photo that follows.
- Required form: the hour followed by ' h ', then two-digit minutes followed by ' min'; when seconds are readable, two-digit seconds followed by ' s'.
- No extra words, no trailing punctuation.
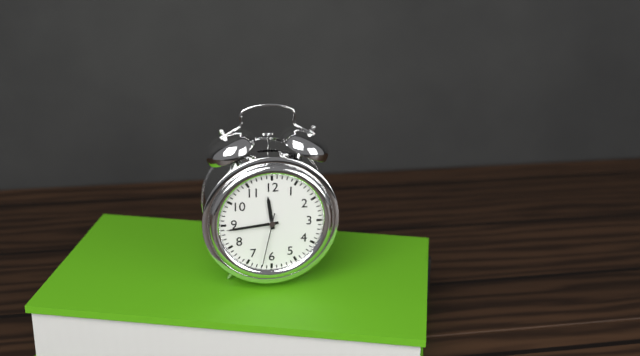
11 h 44 min 32 s
